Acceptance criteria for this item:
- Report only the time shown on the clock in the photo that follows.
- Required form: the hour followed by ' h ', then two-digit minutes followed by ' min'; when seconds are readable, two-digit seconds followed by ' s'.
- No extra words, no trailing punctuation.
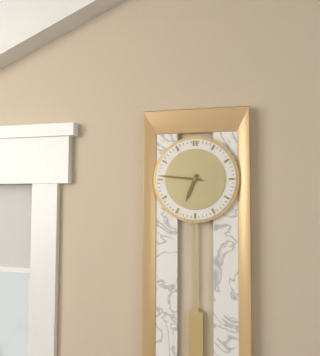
6 h 46 min
